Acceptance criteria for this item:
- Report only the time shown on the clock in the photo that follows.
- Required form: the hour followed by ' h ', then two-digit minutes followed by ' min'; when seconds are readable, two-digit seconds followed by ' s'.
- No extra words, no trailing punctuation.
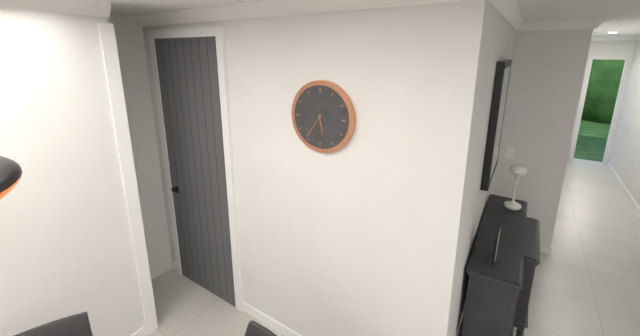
5 h 36 min
